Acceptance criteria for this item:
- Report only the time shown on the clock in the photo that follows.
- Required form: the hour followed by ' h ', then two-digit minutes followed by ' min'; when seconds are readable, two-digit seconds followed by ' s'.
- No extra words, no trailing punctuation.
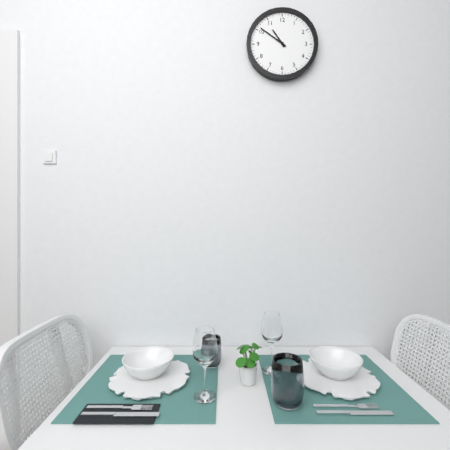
10 h 51 min
